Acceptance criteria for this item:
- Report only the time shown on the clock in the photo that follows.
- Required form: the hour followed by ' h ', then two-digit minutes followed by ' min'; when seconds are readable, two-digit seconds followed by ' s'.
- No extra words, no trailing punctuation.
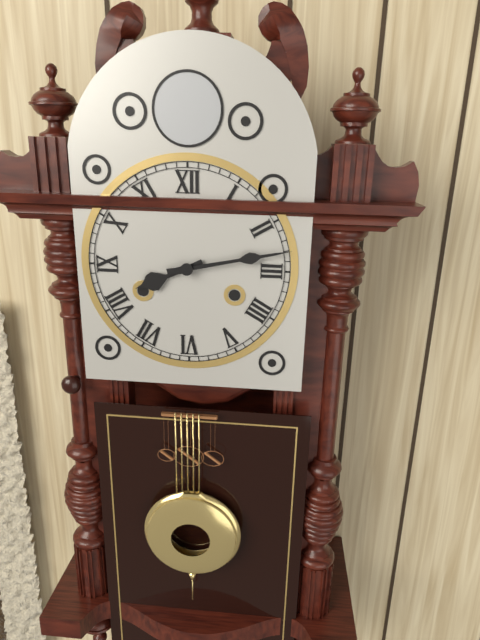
8 h 13 min
